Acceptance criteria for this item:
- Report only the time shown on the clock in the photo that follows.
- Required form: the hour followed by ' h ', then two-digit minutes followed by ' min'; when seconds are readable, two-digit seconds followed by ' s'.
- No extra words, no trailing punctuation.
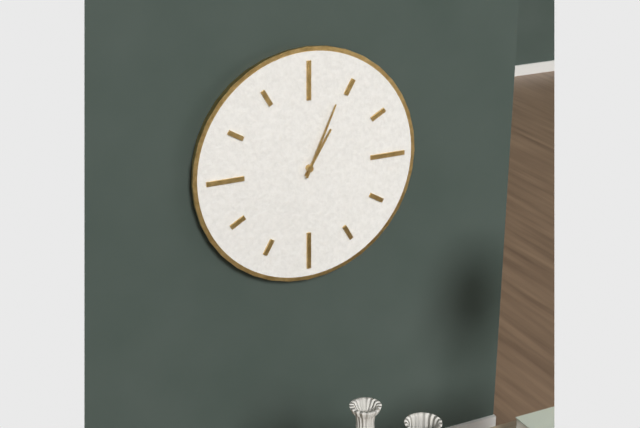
1 h 04 min
